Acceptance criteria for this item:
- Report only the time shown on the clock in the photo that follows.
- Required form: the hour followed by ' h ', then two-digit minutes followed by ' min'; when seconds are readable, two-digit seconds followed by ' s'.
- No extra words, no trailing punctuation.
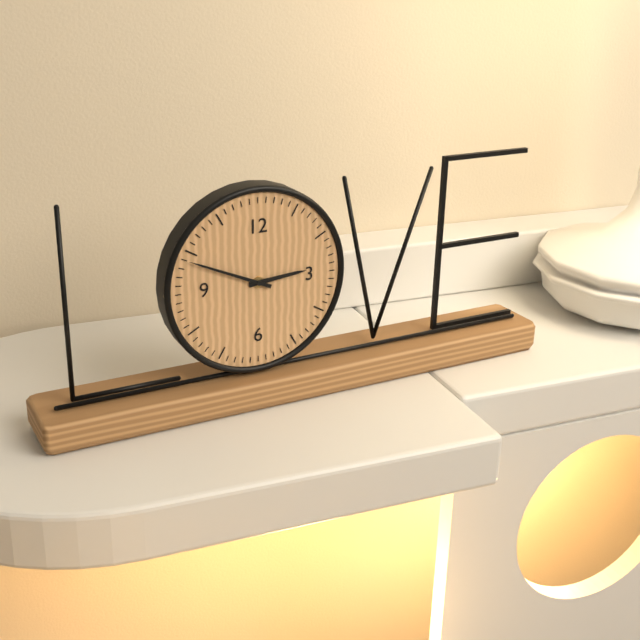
2 h 49 min
